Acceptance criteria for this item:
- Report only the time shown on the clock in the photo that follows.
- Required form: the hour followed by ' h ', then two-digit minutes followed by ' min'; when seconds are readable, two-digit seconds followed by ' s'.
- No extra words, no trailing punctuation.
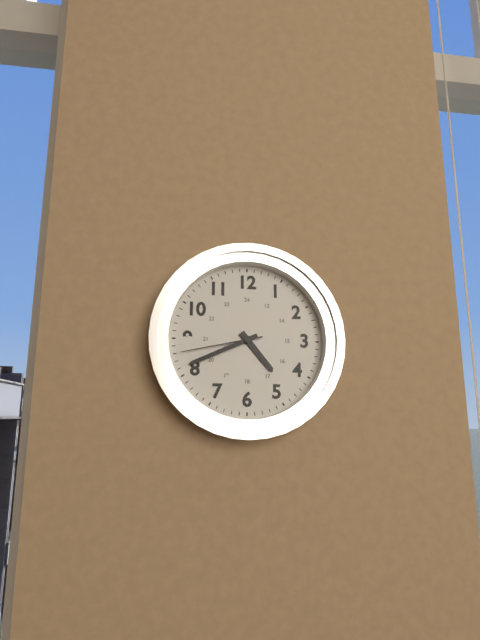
4 h 41 min 43 s
